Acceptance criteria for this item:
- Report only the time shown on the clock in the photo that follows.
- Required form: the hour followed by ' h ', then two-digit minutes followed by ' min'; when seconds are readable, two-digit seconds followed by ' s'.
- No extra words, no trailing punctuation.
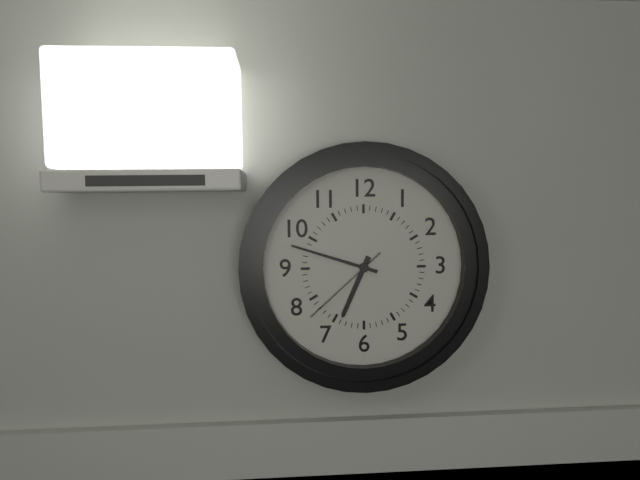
6 h 48 min 38 s
